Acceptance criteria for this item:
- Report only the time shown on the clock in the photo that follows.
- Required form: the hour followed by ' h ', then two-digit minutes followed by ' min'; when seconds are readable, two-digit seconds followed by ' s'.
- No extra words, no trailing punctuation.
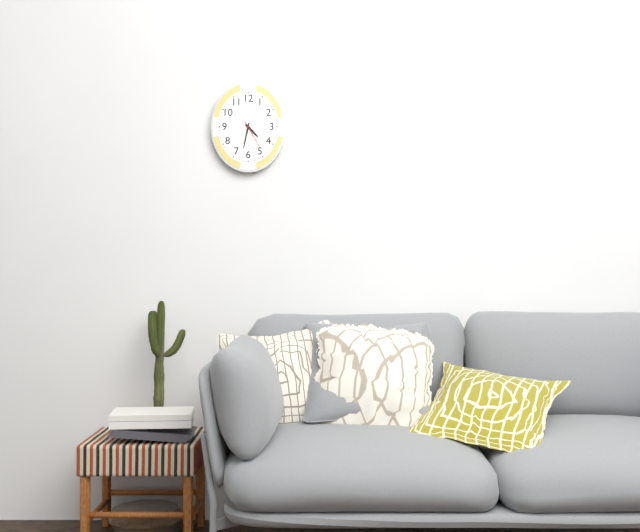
4 h 32 min
